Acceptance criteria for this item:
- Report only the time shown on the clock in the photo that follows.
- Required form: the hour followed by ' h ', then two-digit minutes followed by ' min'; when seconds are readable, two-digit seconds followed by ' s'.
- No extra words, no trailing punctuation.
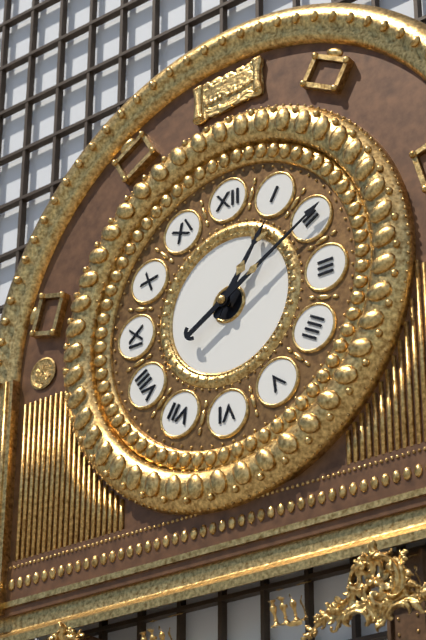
1 h 10 min
